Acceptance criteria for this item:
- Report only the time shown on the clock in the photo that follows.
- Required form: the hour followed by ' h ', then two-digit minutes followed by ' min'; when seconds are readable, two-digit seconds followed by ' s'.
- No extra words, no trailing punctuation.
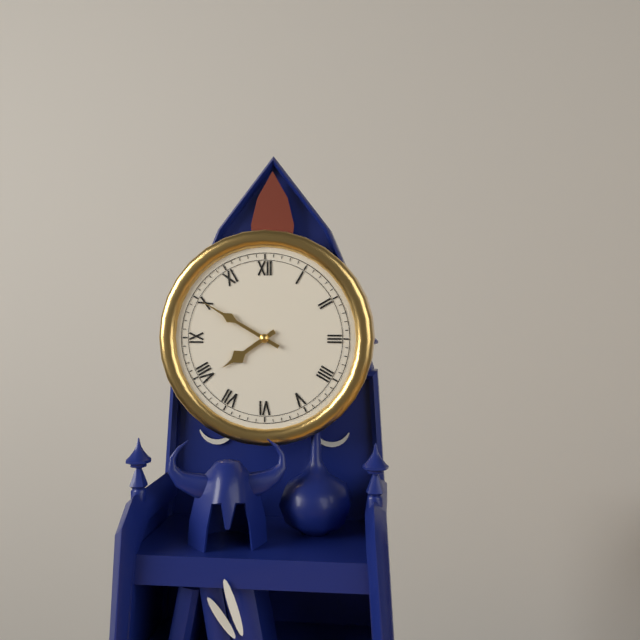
7 h 50 min
